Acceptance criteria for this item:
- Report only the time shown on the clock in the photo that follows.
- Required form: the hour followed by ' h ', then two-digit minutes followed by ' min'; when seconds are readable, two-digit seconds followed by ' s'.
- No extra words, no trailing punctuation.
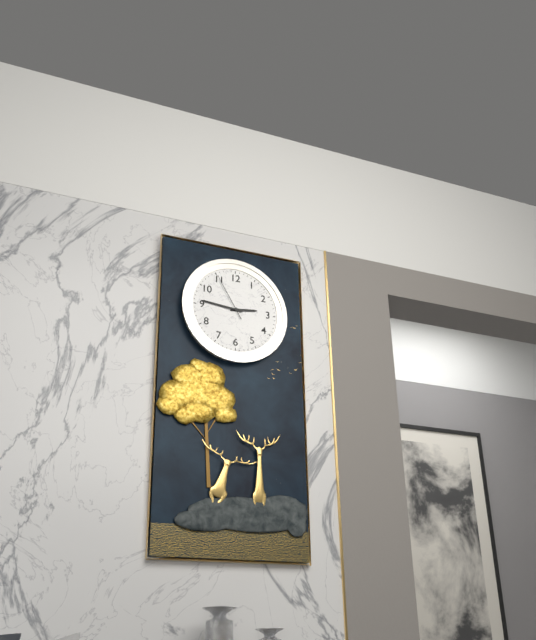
2 h 46 min
